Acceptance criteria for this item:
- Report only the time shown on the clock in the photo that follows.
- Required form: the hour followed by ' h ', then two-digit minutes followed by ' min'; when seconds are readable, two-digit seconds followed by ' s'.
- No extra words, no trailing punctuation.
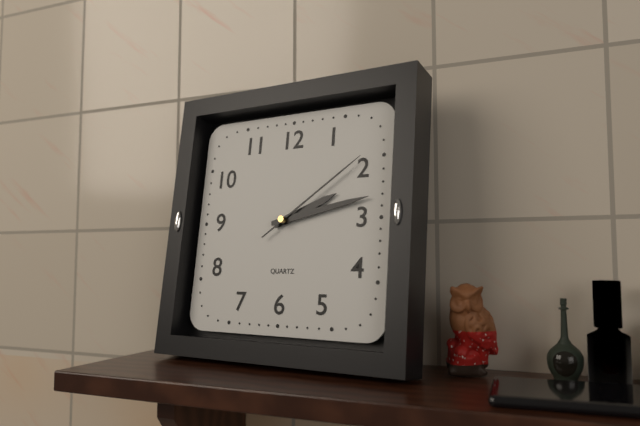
2 h 13 min 09 s
